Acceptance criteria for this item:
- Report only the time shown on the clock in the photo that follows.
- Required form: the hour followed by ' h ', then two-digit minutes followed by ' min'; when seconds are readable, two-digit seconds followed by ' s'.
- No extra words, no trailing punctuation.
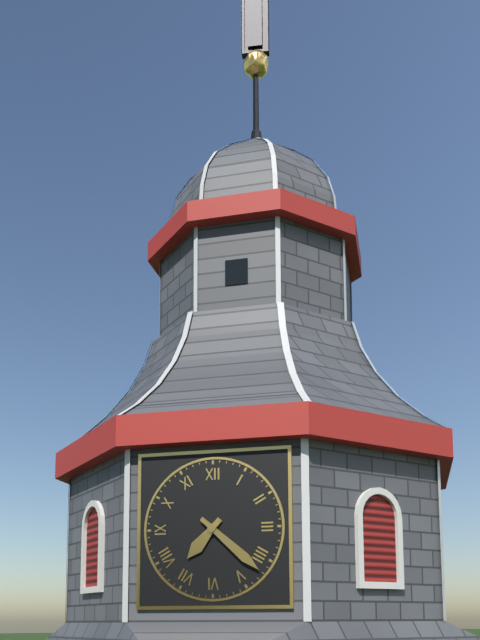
7 h 22 min
